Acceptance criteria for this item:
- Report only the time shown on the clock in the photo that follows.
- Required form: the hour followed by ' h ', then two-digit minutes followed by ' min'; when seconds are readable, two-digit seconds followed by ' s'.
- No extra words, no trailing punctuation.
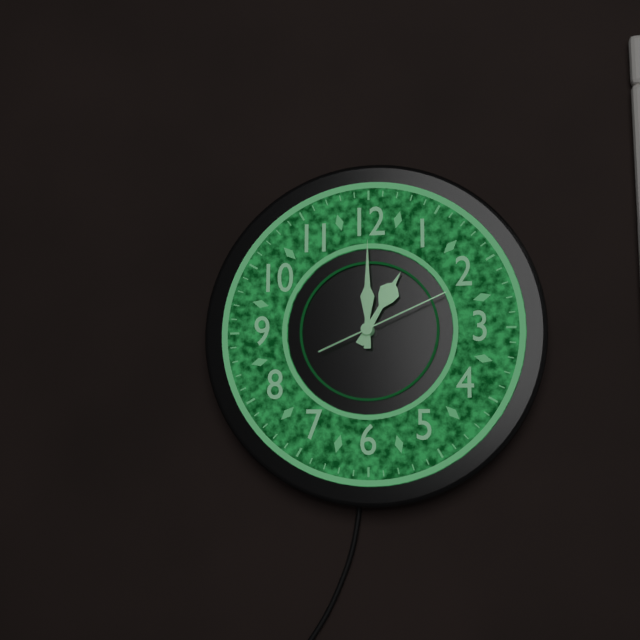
1 h 00 min 11 s
